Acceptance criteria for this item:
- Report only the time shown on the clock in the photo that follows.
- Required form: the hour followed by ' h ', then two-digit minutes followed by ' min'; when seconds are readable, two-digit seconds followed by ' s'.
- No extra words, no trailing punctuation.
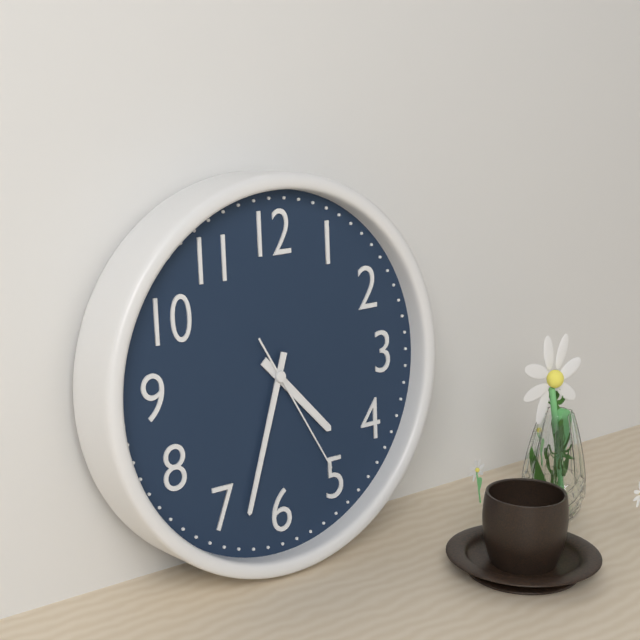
4 h 33 min 25 s
